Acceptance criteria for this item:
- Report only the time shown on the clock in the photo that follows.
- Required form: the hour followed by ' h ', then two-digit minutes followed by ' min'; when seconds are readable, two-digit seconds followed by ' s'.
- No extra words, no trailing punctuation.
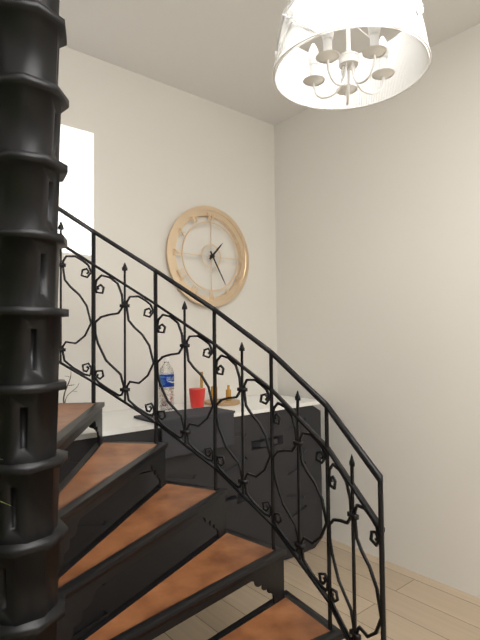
1 h 25 min
